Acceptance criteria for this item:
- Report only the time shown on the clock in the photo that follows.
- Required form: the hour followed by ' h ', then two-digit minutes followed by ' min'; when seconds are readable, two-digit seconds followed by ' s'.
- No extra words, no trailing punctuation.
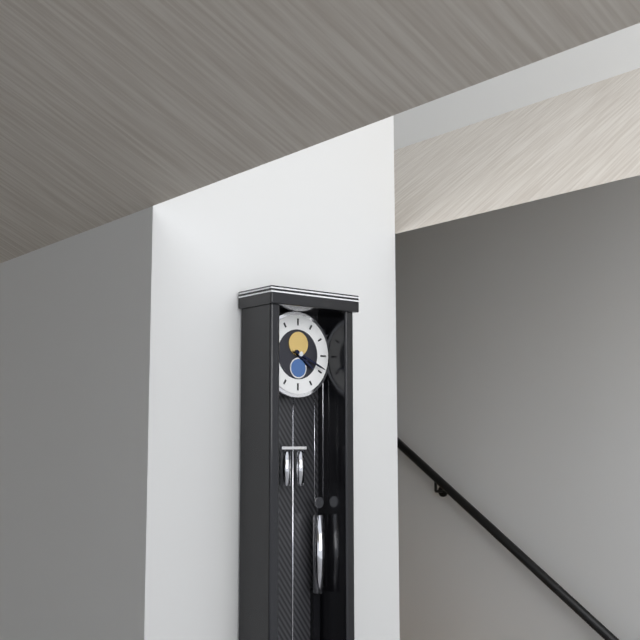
4 h 19 min
